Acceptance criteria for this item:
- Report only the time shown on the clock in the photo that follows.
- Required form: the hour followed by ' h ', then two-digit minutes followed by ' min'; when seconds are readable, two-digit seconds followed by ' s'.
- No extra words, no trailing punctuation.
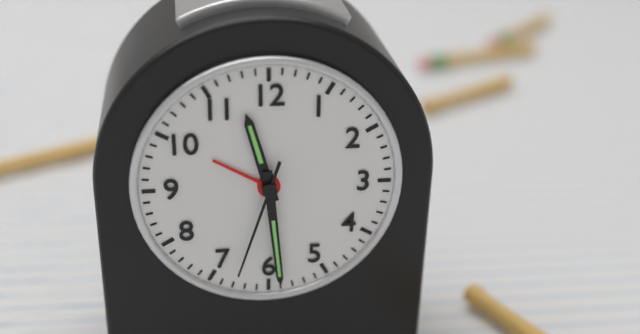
11 h 29 min 33 s
